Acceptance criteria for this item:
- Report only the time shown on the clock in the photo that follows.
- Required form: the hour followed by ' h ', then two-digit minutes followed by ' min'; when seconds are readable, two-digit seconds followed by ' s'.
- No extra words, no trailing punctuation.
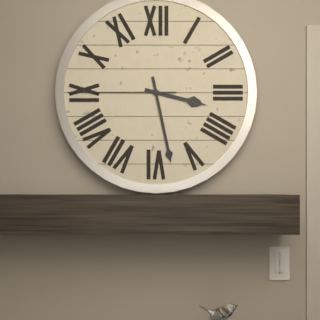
3 h 28 min 45 s
